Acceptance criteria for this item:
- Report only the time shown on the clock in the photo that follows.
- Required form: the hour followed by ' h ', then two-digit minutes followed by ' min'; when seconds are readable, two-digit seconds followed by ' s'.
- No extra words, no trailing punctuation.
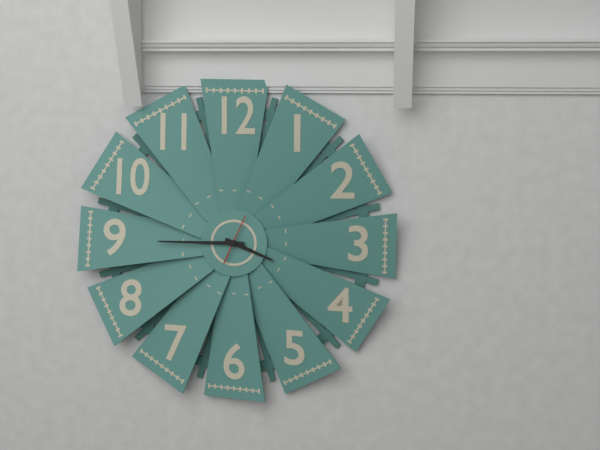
3 h 45 min
